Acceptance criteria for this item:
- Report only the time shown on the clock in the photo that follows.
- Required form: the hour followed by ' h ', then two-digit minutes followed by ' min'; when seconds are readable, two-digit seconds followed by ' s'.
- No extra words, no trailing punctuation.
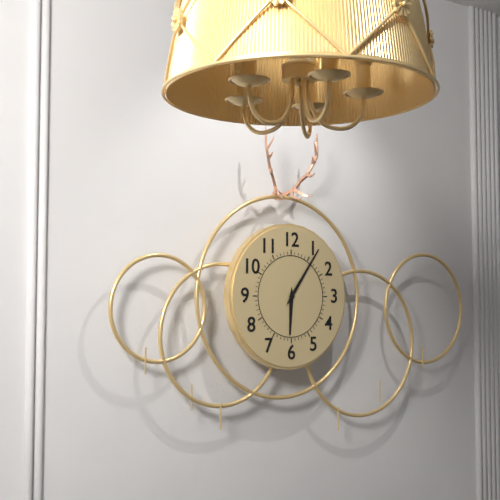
6 h 06 min
